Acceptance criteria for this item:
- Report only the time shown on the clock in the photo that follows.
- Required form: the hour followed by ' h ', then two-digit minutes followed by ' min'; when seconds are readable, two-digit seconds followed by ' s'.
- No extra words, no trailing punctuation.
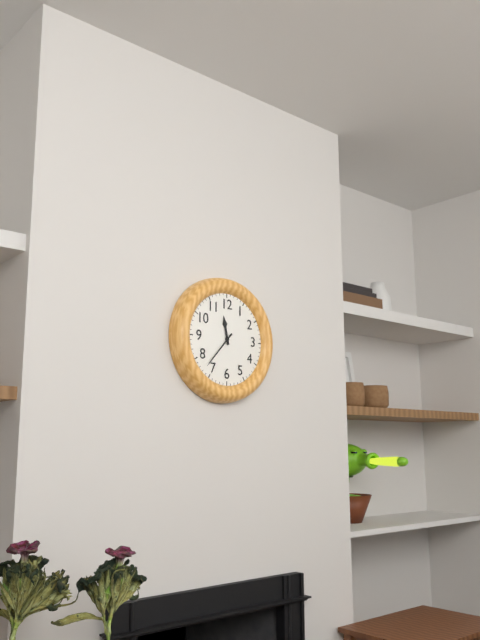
11 h 37 min
